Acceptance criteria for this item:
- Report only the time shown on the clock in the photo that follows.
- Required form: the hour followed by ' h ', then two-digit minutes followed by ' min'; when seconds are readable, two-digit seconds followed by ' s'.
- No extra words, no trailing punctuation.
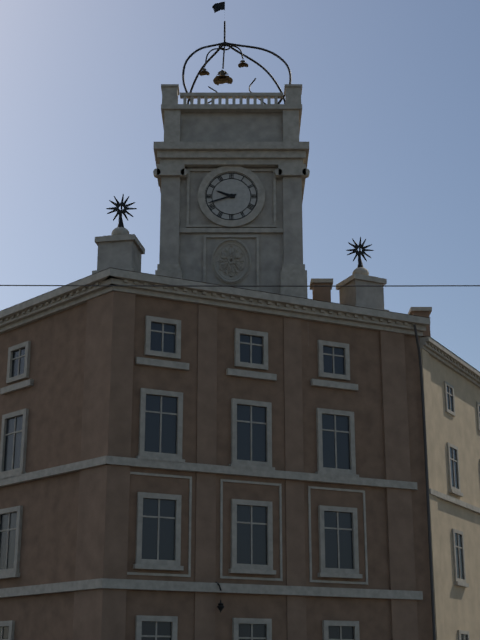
9 h 42 min
